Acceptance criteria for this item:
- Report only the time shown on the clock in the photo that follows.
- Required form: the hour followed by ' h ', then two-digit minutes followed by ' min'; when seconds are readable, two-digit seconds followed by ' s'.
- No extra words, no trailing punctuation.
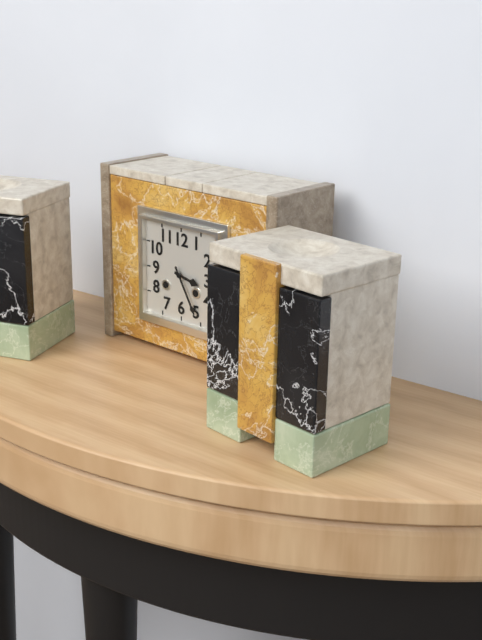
3 h 25 min
